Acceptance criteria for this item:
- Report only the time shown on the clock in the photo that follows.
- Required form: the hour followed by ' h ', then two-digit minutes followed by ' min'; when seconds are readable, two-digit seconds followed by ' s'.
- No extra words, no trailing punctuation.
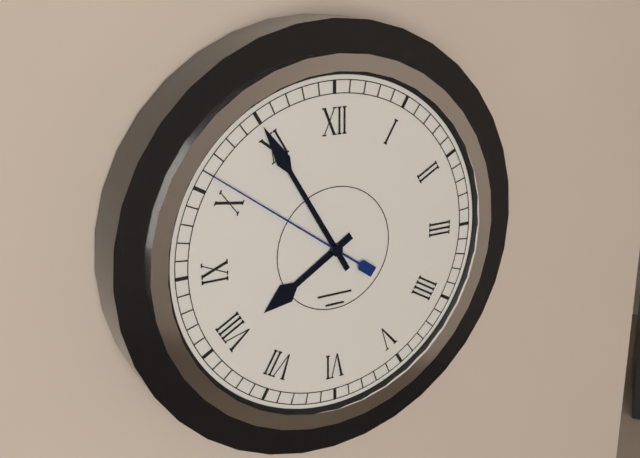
7 h 55 min 51 s
